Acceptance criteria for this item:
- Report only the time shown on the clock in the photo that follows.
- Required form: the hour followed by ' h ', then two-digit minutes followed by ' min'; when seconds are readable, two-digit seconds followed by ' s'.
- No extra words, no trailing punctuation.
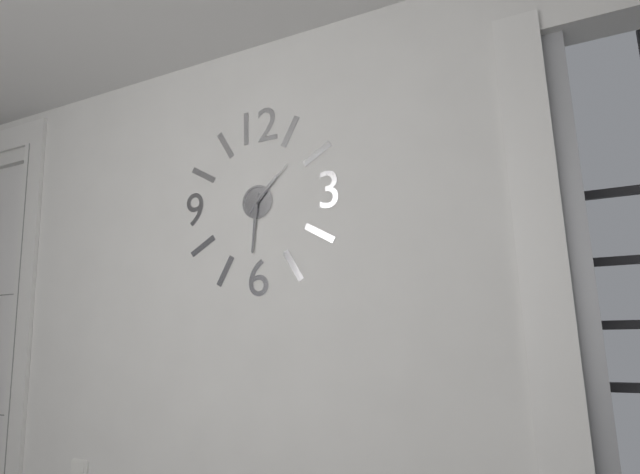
1 h 31 min 08 s
